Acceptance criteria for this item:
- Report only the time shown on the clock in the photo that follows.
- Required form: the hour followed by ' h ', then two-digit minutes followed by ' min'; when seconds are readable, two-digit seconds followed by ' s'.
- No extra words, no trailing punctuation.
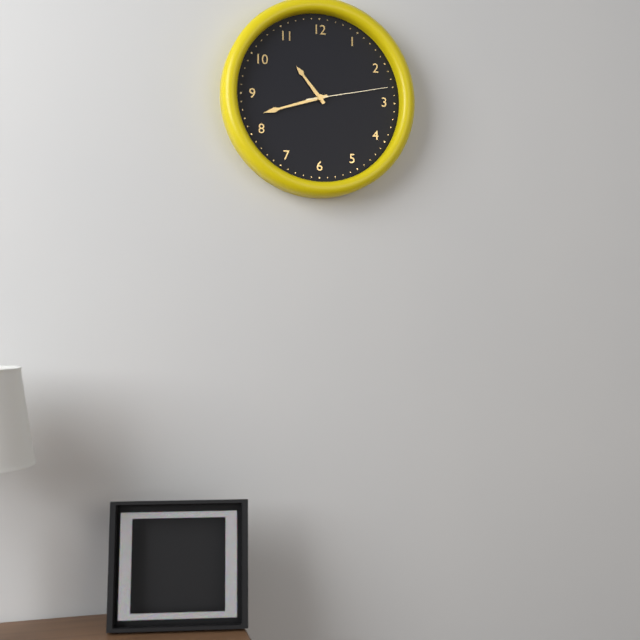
10 h 42 min 13 s
